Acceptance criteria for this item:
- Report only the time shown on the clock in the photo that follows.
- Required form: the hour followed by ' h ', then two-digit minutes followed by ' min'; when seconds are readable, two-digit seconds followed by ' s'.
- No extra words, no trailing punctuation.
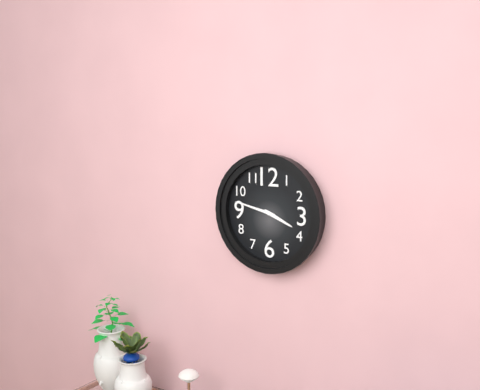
3 h 47 min
